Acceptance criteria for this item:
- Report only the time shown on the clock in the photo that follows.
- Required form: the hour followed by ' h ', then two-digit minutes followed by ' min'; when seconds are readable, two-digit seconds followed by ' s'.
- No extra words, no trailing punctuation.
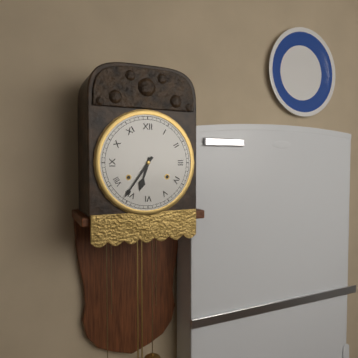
6 h 36 min
